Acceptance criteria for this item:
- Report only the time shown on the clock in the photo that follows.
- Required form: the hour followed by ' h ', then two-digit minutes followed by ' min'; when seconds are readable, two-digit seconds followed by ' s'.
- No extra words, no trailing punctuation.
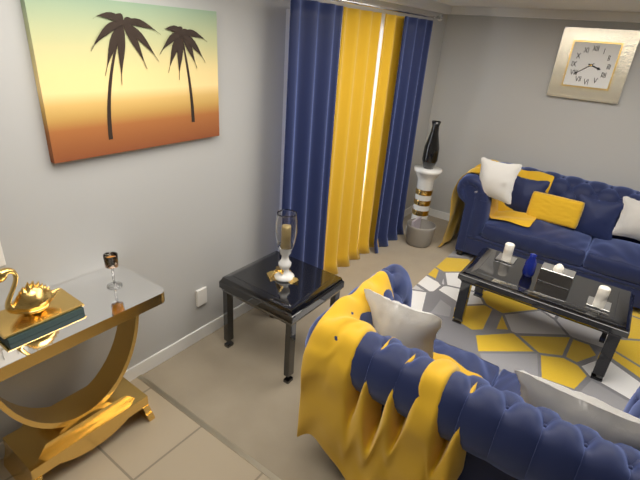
3 h 39 min
